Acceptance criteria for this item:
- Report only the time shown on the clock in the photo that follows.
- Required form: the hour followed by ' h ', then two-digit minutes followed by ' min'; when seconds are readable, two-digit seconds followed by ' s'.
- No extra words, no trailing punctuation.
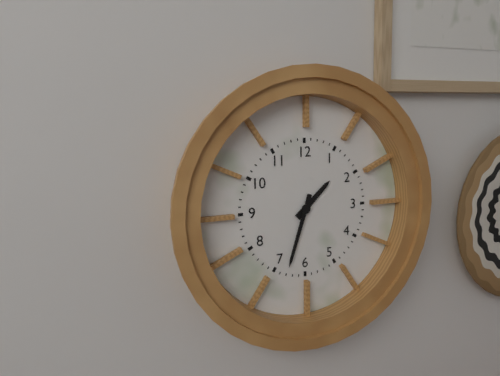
1 h 33 min
